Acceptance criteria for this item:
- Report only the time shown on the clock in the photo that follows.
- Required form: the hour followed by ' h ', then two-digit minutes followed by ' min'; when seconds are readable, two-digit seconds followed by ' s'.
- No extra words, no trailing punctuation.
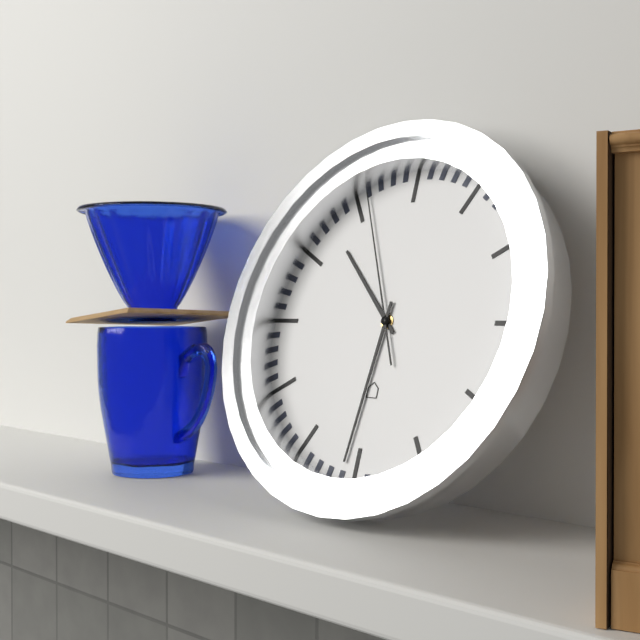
10 h 31 min 56 s
